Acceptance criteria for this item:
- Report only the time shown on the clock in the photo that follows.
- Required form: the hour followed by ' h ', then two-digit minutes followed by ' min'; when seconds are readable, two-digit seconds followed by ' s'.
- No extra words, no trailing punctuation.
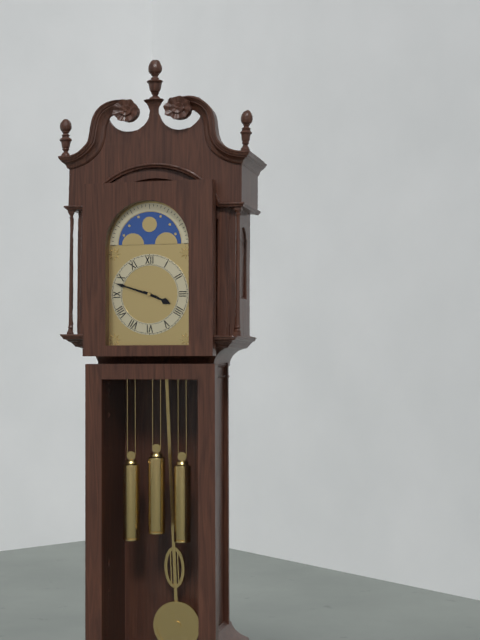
3 h 48 min
